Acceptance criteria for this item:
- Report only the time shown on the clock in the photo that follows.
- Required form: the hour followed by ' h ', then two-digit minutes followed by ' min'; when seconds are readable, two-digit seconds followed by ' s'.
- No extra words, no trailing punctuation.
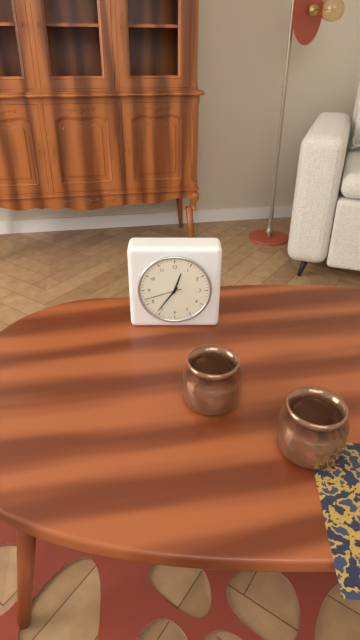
12 h 36 min
